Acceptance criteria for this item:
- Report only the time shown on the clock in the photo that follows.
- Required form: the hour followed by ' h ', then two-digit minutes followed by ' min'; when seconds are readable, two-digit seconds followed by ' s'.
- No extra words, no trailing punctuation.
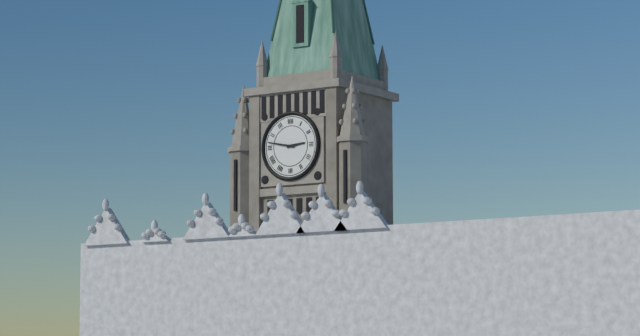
2 h 47 min
